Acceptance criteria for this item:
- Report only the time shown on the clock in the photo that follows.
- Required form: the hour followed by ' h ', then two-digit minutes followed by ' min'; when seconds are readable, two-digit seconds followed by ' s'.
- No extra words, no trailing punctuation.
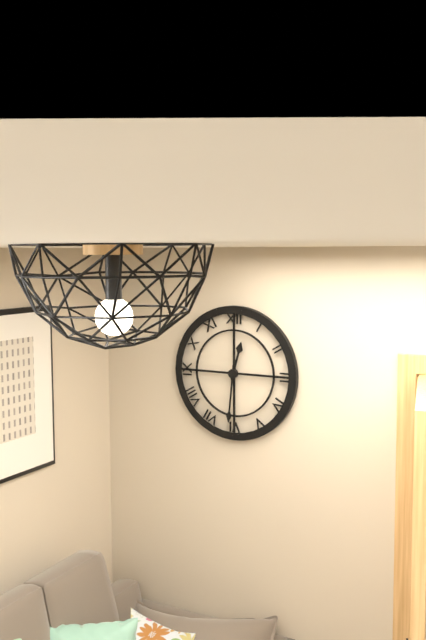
12 h 31 min
